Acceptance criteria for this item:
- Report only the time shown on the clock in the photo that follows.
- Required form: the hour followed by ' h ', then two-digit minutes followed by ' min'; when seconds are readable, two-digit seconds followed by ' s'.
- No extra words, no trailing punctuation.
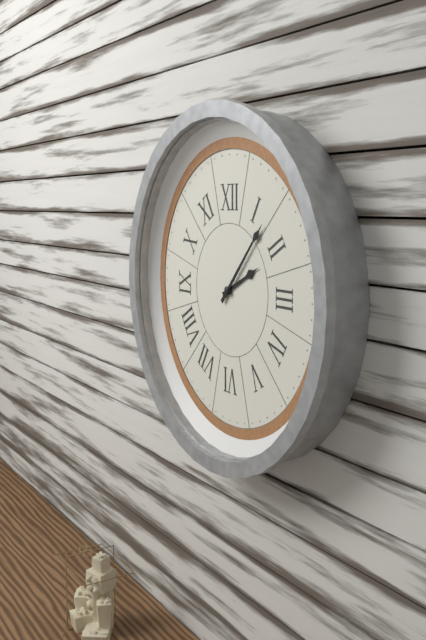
2 h 07 min
